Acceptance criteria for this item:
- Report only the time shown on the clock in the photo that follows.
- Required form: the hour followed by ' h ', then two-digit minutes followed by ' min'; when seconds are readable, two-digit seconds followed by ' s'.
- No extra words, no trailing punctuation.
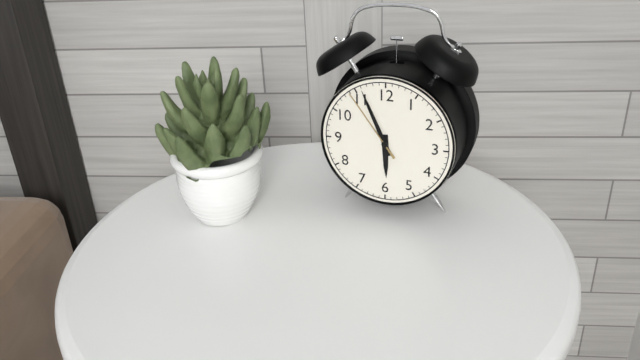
5 h 56 min 54 s
